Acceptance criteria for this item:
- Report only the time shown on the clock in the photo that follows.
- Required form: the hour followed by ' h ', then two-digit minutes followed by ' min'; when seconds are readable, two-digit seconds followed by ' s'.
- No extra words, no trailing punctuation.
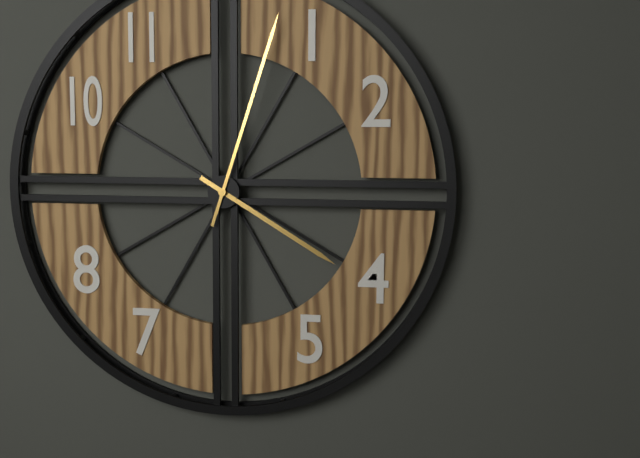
4 h 03 min
